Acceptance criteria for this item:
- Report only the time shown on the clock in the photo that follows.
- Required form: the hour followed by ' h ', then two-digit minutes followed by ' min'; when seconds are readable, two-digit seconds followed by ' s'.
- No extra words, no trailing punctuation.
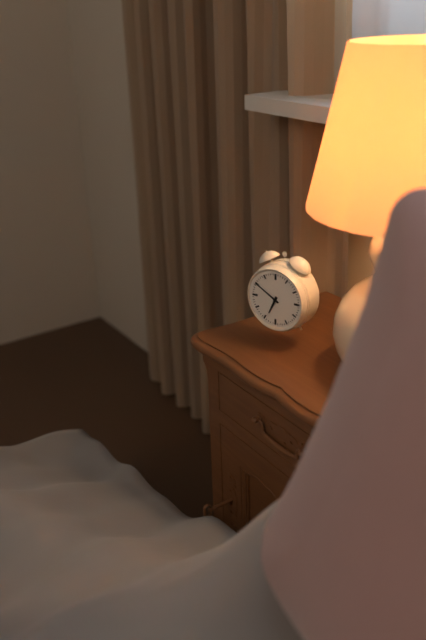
6 h 50 min
